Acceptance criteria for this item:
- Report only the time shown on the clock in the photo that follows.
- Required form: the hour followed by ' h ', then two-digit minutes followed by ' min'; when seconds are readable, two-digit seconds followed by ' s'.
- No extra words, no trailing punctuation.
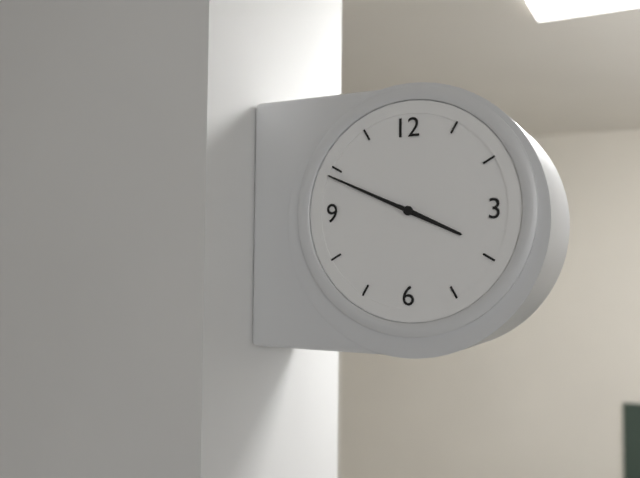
3 h 49 min
